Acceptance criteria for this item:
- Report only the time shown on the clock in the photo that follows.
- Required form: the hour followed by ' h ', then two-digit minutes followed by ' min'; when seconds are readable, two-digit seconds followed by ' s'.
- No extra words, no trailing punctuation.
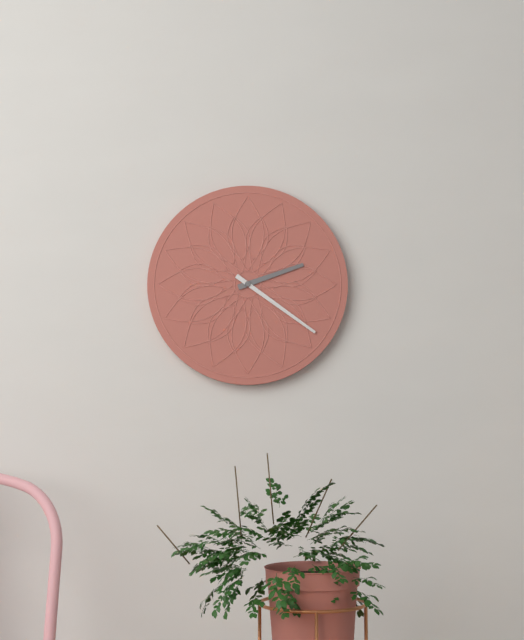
2 h 21 min
